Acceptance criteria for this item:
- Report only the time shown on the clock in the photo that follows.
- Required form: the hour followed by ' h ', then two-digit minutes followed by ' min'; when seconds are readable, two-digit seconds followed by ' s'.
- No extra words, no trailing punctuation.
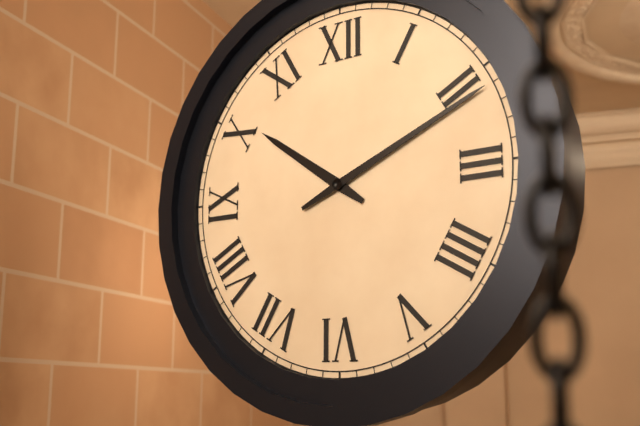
10 h 11 min
